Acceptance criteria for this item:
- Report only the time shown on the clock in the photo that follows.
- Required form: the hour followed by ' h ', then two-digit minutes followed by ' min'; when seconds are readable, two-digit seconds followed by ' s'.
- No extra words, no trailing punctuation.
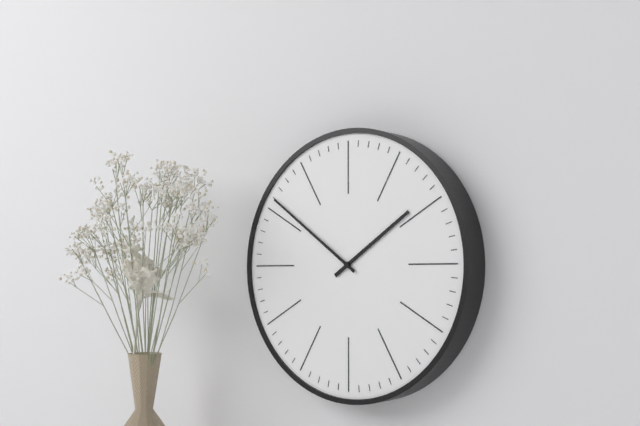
1 h 51 min
